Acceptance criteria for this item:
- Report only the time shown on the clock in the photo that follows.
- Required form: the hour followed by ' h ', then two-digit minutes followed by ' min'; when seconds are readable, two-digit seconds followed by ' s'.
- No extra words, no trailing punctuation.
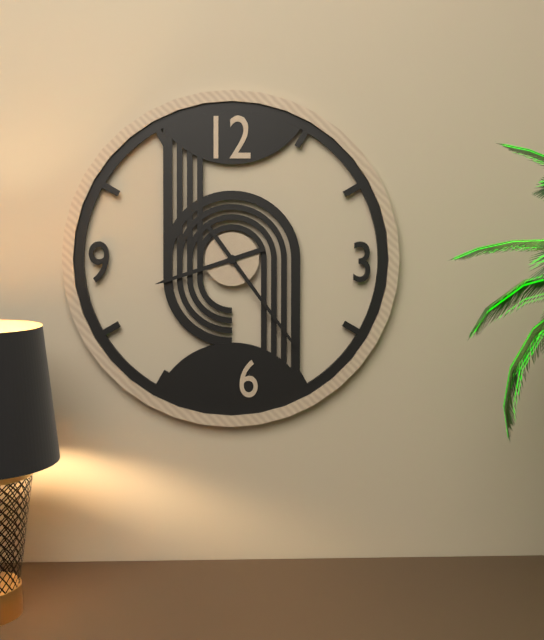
8 h 24 min
